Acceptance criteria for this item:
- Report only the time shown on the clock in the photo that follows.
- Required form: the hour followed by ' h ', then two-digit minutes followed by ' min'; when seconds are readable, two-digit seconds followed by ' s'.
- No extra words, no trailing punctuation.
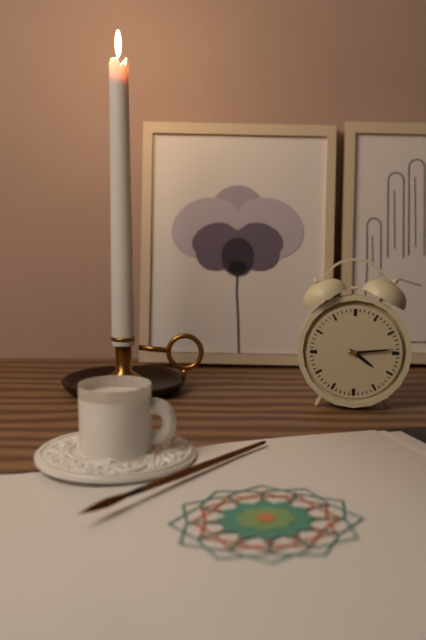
4 h 14 min
